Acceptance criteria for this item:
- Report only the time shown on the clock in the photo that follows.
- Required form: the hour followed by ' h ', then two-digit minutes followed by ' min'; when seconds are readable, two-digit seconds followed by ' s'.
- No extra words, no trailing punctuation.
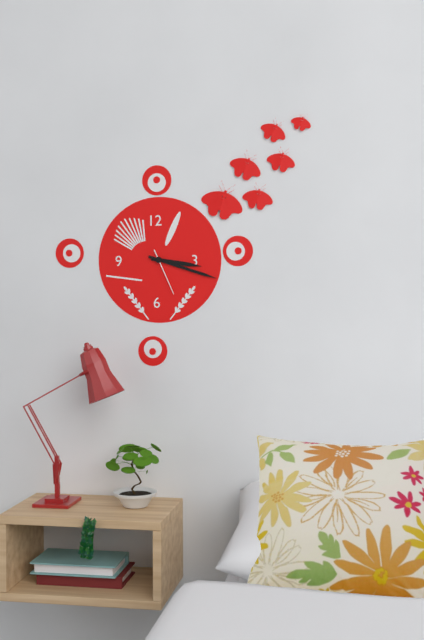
3 h 18 min
